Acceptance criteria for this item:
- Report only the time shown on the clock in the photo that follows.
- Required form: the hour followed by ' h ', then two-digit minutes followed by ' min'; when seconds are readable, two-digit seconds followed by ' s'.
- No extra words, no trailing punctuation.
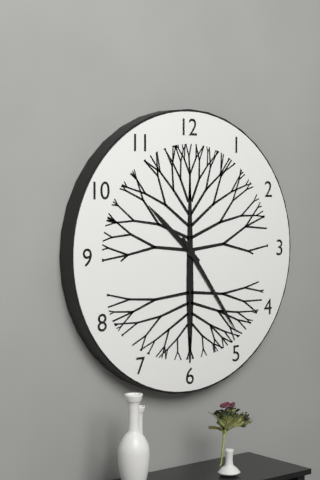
10 h 24 min
